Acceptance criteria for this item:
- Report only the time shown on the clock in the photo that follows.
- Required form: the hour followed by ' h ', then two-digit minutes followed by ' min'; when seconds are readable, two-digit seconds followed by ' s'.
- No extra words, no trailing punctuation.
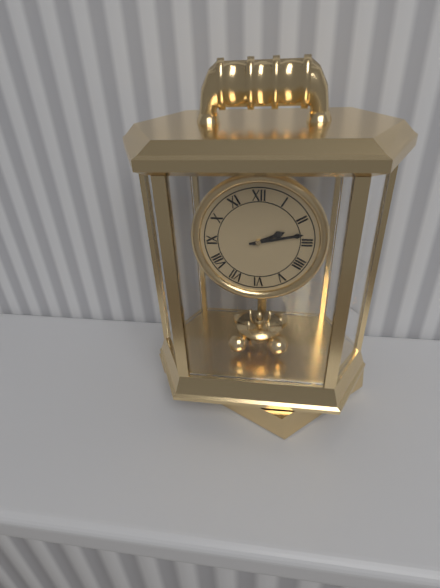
2 h 13 min
